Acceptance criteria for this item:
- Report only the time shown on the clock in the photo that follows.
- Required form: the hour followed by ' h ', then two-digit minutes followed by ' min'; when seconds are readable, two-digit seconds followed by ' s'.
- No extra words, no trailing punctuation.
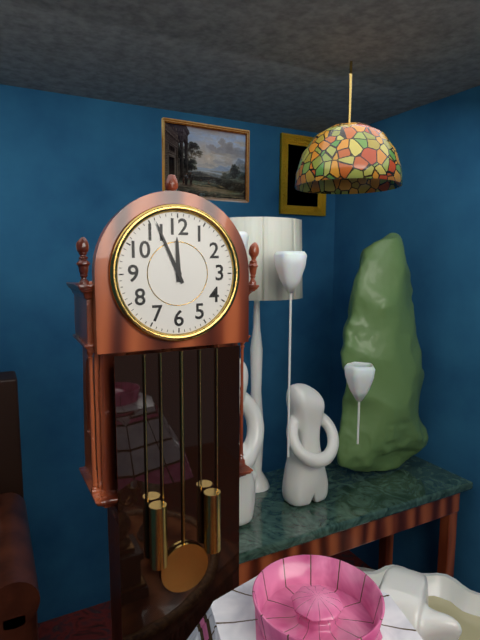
11 h 56 min
